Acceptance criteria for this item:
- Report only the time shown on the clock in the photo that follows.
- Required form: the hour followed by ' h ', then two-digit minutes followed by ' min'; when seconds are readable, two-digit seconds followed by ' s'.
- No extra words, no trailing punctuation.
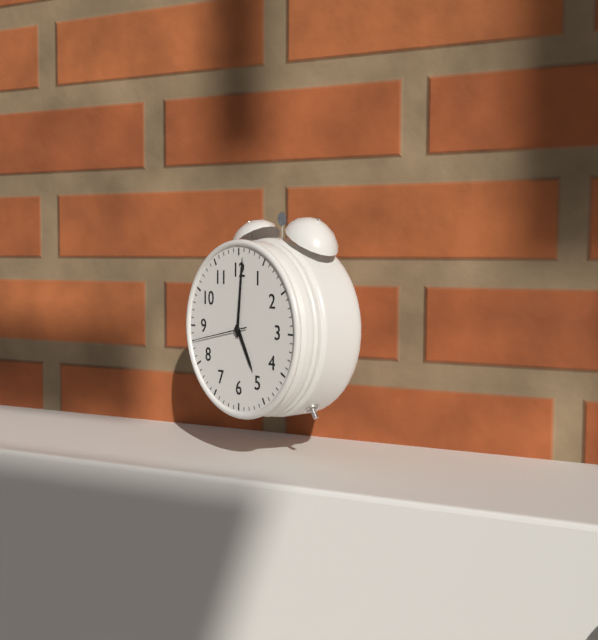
5 h 01 min 43 s
